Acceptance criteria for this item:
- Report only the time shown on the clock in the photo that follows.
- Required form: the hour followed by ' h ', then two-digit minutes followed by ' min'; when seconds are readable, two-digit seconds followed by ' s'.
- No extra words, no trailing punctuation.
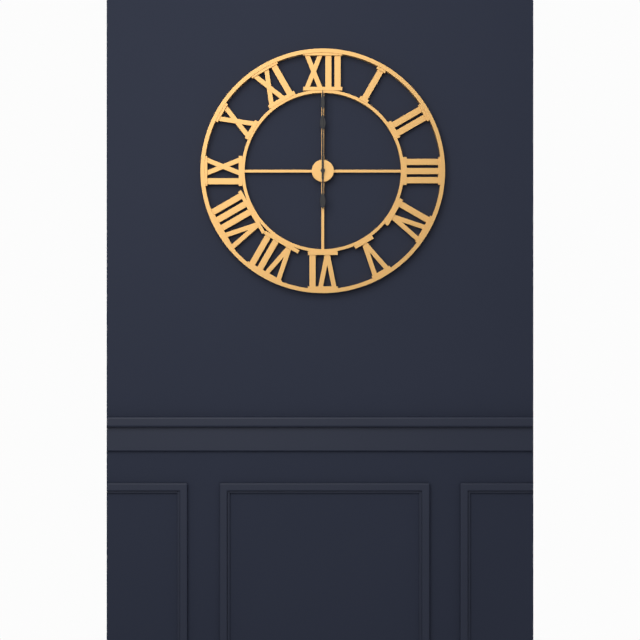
12 h 00 min
